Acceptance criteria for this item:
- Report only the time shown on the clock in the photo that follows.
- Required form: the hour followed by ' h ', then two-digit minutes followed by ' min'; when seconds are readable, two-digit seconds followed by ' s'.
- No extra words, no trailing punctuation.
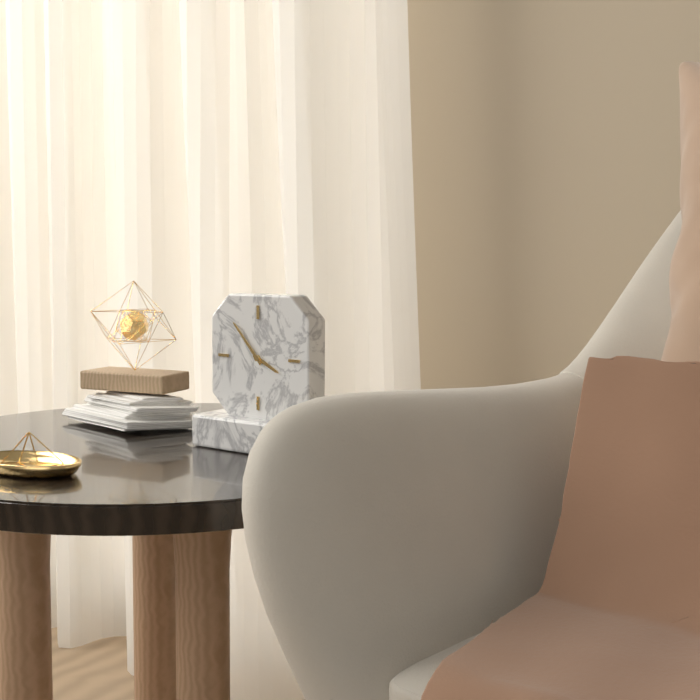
3 h 53 min
